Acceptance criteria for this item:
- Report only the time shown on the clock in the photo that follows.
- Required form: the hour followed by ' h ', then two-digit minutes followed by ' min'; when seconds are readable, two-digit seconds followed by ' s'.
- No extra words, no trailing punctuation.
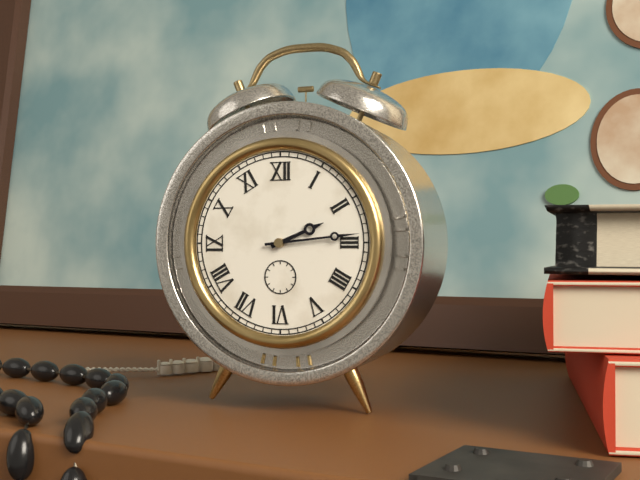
2 h 14 min
